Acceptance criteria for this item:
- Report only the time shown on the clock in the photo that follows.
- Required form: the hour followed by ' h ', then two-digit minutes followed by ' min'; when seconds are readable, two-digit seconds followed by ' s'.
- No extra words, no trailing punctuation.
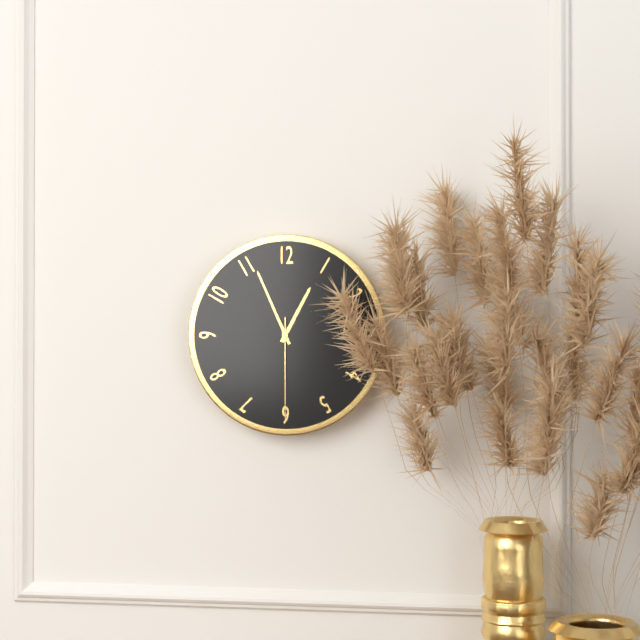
12 h 56 min 30 s
